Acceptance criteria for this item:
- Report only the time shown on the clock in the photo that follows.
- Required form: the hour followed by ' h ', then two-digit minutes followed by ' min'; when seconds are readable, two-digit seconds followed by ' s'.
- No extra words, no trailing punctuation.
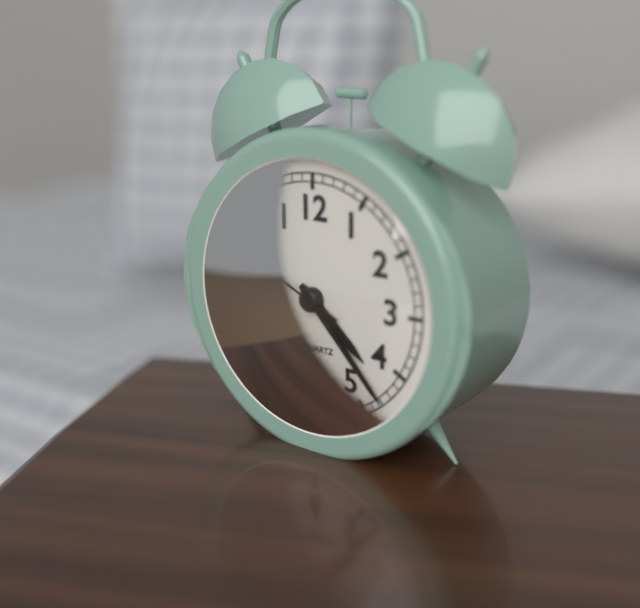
4 h 23 min 49 s
